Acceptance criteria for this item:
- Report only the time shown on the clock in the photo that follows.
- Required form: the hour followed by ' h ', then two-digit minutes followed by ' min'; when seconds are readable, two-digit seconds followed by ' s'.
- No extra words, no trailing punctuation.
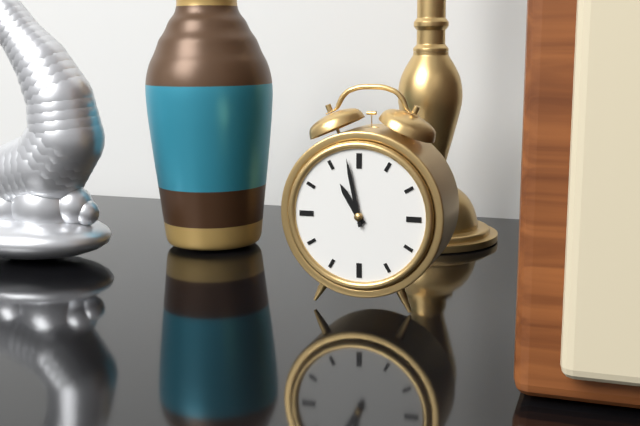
10 h 58 min
